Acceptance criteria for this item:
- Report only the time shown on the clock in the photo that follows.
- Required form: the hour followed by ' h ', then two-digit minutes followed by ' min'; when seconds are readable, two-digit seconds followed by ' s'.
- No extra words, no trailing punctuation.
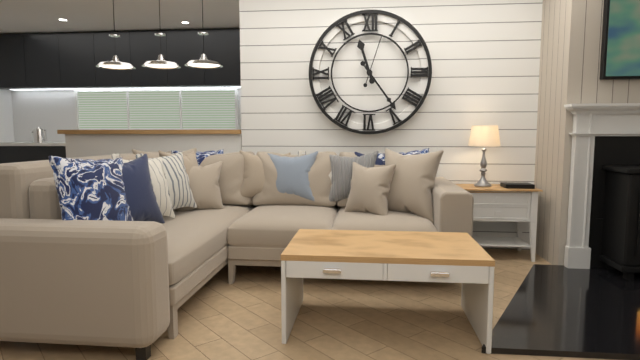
11 h 24 min
